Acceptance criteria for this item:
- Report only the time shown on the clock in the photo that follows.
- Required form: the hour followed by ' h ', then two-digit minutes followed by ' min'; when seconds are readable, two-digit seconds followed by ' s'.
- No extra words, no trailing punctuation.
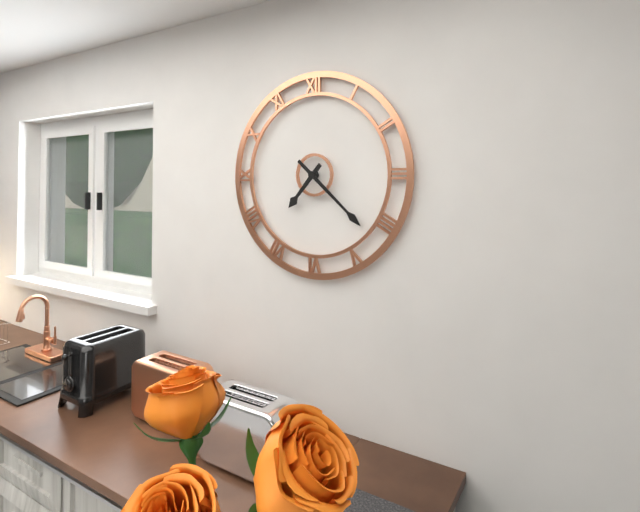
7 h 22 min
